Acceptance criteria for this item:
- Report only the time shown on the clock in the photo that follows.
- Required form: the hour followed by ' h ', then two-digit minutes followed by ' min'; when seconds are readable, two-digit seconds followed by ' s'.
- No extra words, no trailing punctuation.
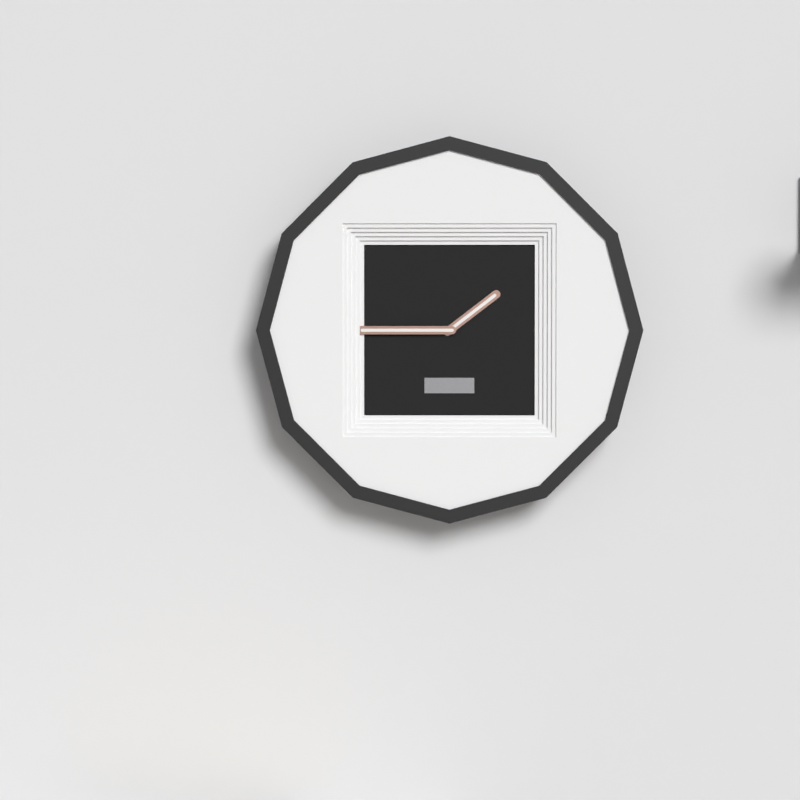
1 h 45 min
